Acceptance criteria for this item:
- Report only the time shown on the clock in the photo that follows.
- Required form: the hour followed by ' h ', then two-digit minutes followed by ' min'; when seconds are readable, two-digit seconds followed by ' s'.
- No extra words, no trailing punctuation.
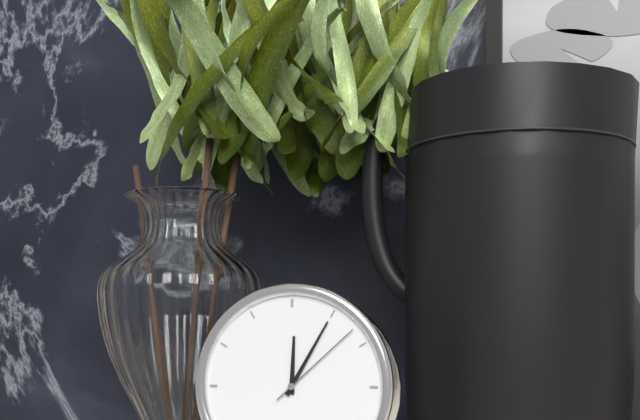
12 h 05 min 08 s
